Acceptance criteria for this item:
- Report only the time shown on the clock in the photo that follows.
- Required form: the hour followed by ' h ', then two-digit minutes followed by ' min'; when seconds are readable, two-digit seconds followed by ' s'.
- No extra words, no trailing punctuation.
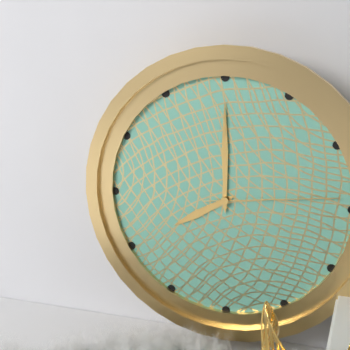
8 h 00 min 14 s
